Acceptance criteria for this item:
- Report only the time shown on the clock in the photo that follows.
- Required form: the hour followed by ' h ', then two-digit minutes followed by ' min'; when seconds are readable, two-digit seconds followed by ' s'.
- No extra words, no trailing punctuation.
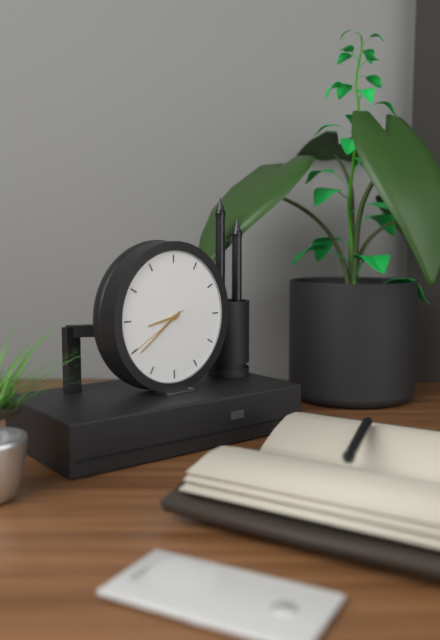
8 h 39 min 40 s
